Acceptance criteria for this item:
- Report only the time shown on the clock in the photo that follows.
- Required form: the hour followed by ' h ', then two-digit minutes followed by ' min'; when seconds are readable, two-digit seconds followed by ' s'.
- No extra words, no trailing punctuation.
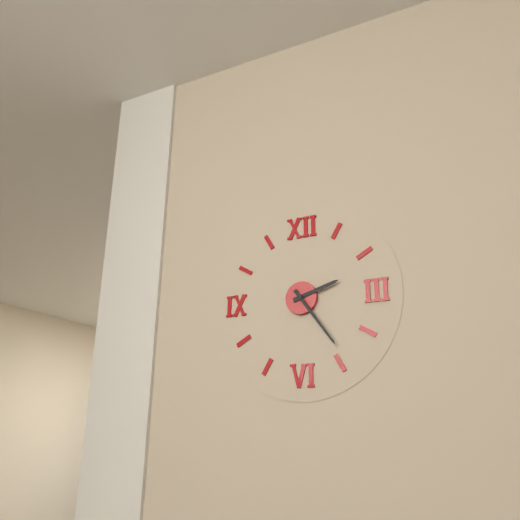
2 h 24 min
